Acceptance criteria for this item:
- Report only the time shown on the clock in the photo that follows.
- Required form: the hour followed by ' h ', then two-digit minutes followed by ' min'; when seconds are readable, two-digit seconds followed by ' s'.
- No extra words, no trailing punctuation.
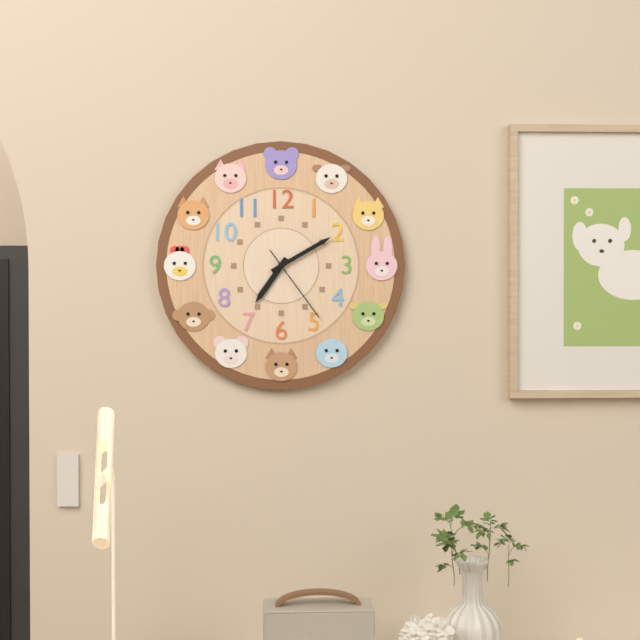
7 h 10 min 24 s
